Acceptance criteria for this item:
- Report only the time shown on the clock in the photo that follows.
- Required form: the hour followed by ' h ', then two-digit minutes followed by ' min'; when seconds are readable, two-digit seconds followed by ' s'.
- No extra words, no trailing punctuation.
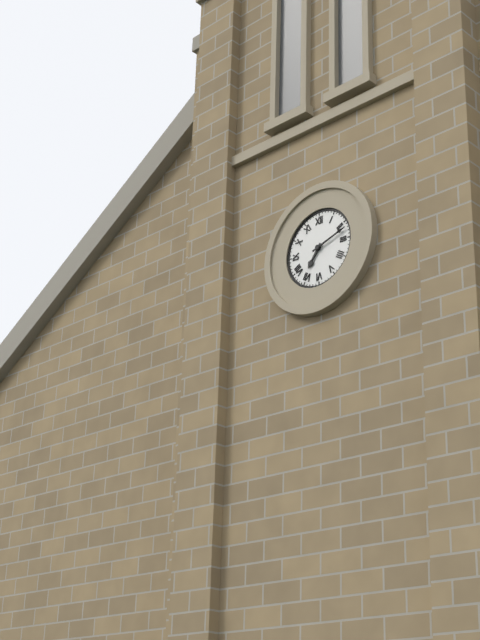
7 h 12 min
